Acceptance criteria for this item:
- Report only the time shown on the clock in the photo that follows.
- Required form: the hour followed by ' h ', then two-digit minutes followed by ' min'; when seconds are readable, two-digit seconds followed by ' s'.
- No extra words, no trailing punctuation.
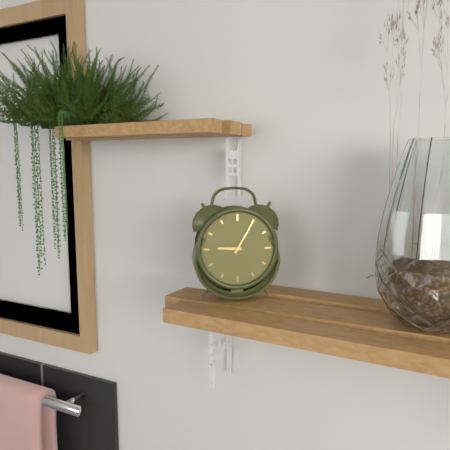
9 h 05 min
